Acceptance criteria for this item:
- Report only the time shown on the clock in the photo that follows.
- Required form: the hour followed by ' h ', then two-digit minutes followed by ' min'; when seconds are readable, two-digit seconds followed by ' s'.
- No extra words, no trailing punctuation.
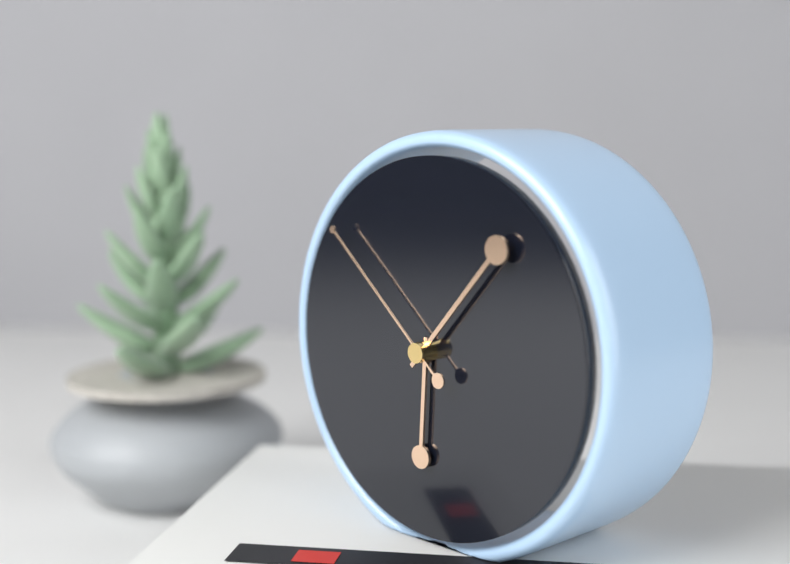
6 h 07 min 52 s
